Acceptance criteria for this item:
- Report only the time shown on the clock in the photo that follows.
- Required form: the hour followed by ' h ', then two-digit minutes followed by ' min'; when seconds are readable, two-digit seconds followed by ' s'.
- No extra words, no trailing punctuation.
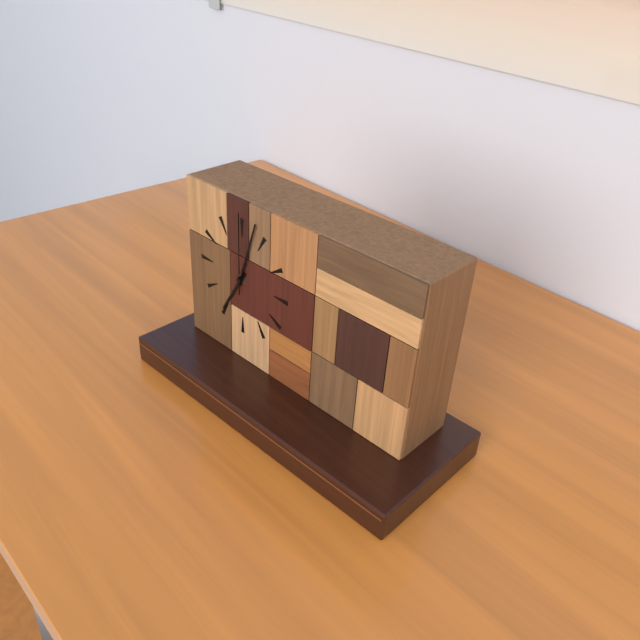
7 h 03 min 00 s
